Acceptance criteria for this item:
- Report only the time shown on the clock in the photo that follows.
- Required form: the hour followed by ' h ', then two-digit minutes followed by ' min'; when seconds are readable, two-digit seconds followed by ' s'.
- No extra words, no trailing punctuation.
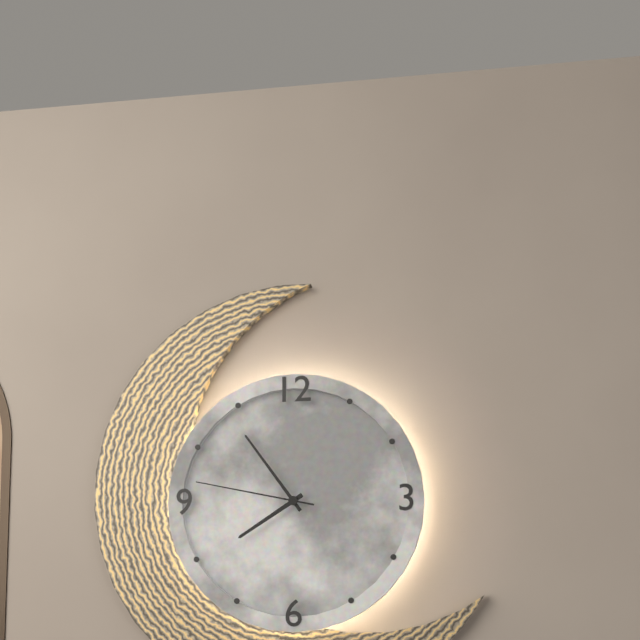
7 h 54 min 47 s
